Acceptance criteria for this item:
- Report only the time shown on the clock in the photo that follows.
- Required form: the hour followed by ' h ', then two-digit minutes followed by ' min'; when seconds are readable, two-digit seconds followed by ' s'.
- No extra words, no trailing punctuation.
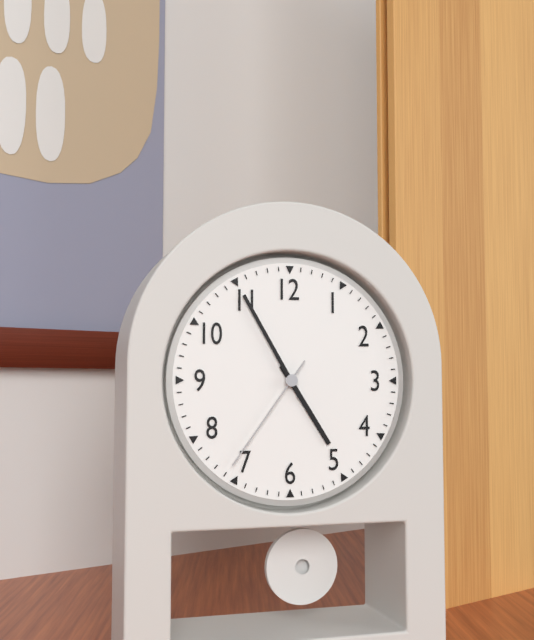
4 h 55 min 36 s
